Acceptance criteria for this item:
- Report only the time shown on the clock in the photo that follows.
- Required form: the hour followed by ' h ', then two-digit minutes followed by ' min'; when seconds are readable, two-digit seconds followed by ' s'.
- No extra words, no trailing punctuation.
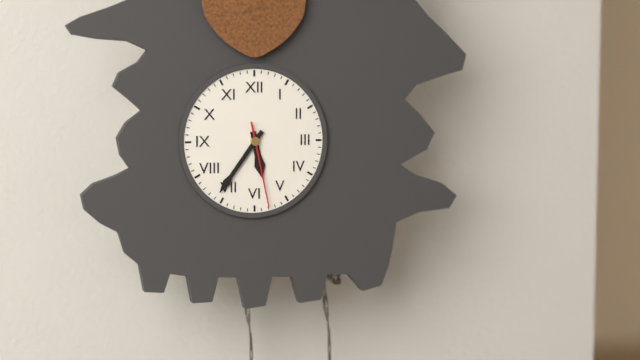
5 h 36 min 28 s
